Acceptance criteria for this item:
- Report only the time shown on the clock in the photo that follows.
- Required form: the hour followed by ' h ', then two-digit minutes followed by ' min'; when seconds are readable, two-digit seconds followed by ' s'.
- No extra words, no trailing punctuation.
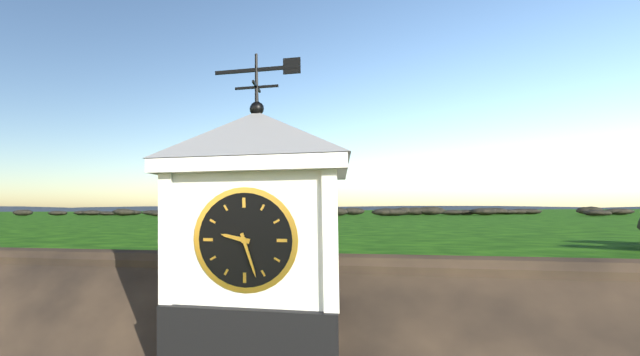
9 h 27 min
